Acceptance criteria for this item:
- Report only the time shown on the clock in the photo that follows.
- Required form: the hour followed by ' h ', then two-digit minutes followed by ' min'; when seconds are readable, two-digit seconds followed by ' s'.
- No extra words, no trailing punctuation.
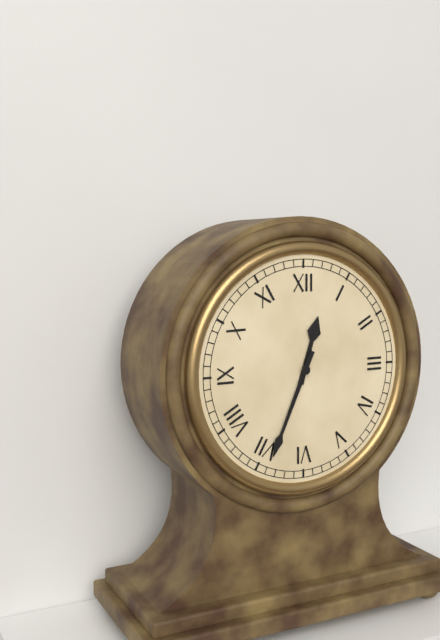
12 h 34 min
